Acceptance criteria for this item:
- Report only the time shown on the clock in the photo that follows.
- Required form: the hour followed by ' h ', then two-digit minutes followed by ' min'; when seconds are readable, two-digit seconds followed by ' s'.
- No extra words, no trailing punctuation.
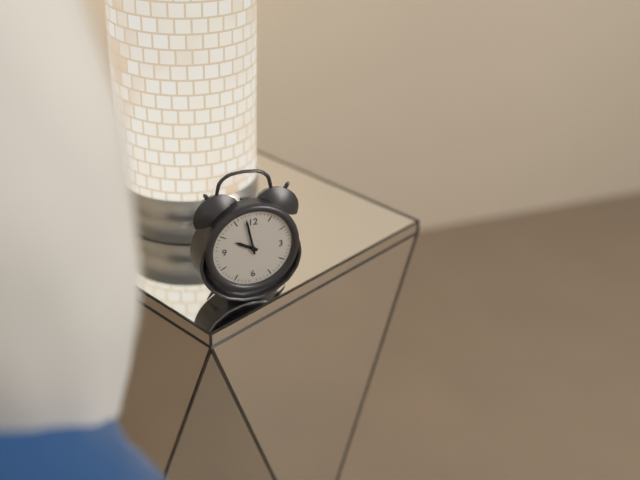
9 h 58 min
